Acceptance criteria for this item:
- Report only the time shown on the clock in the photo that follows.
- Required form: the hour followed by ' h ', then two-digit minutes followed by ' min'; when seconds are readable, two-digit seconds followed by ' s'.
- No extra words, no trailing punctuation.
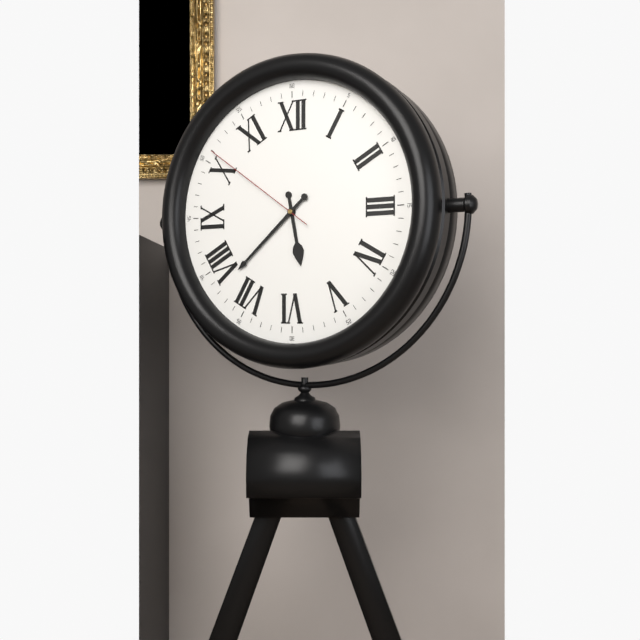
5 h 38 min 51 s
